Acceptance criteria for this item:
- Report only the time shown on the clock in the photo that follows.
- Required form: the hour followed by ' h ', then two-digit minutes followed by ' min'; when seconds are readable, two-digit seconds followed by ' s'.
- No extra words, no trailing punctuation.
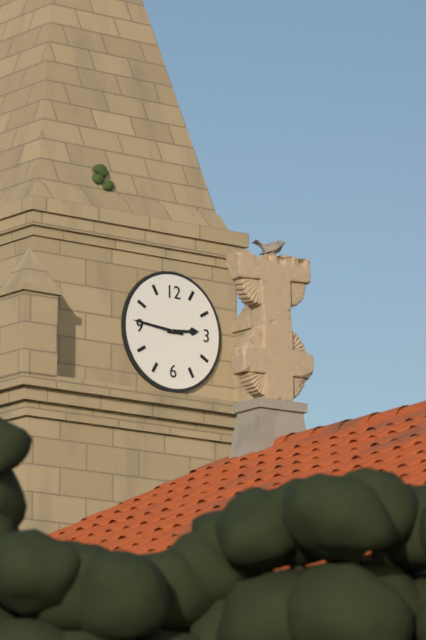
2 h 46 min
